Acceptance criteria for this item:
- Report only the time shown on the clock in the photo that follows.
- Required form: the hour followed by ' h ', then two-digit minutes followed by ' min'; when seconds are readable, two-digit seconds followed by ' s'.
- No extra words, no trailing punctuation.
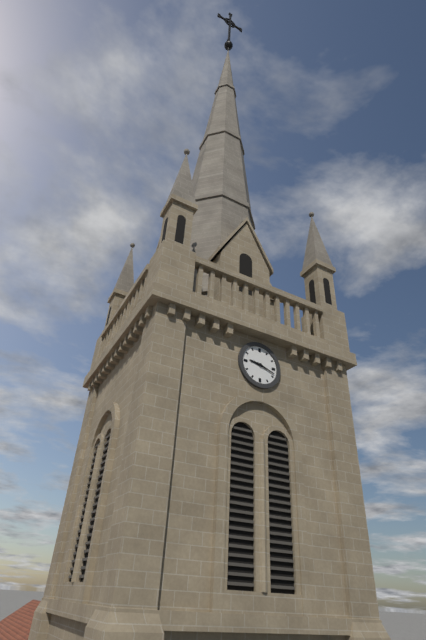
9 h 18 min
